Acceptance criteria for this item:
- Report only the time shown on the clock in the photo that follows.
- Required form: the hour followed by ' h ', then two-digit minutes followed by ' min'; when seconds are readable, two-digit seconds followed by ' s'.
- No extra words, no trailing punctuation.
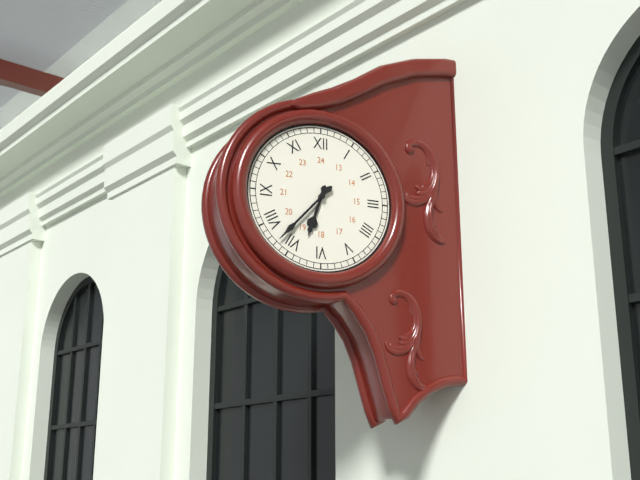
6 h 37 min
